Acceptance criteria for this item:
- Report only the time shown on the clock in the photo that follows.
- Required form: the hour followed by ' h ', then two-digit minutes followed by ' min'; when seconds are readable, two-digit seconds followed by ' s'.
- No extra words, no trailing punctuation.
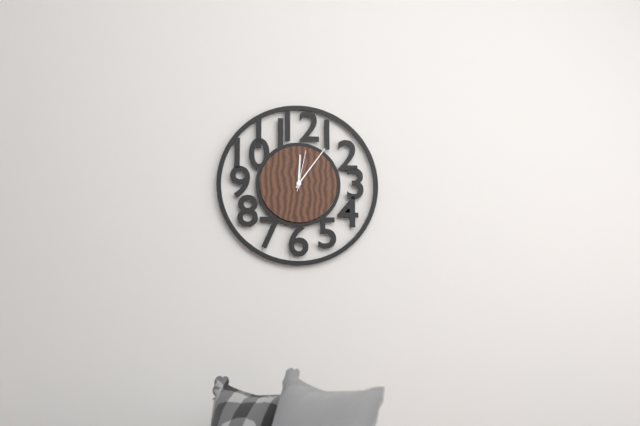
12 h 06 min
